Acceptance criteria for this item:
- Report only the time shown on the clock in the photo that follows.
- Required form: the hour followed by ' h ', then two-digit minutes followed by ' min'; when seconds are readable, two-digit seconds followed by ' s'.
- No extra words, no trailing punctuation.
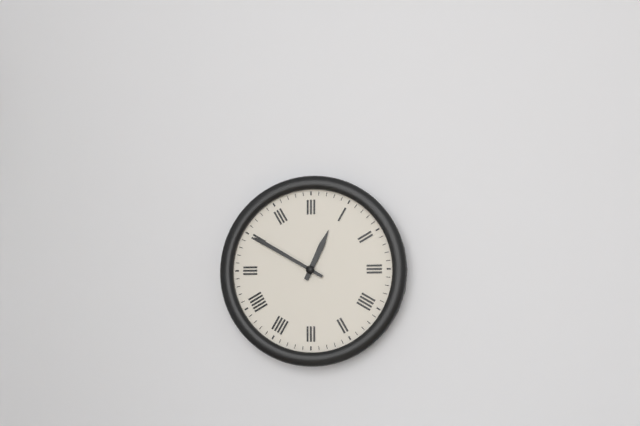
12 h 50 min
